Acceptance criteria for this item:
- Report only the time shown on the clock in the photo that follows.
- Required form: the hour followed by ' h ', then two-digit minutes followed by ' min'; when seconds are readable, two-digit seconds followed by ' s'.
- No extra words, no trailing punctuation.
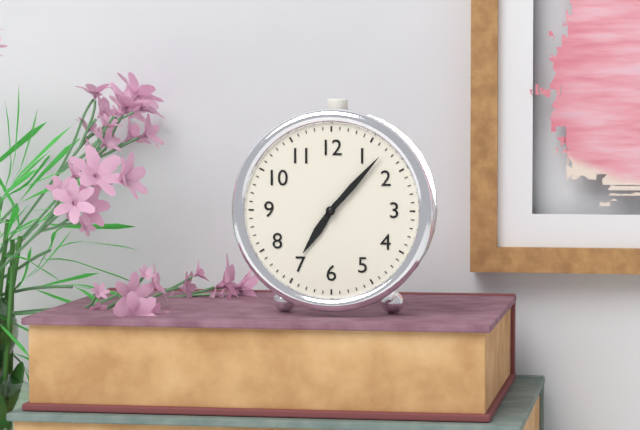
7 h 07 min
